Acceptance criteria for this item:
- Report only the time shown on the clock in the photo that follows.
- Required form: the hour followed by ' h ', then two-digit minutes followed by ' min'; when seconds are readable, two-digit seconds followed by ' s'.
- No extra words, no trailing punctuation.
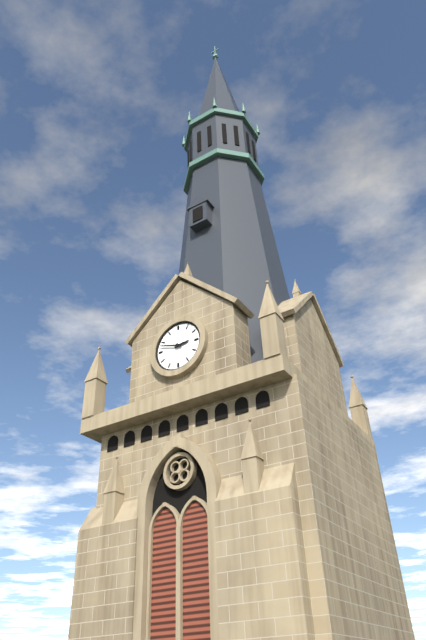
2 h 48 min
